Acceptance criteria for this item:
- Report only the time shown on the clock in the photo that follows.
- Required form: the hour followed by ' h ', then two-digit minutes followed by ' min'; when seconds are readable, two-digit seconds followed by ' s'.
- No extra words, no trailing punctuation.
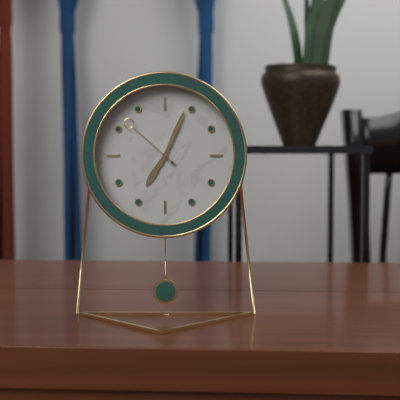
7 h 04 min 52 s
